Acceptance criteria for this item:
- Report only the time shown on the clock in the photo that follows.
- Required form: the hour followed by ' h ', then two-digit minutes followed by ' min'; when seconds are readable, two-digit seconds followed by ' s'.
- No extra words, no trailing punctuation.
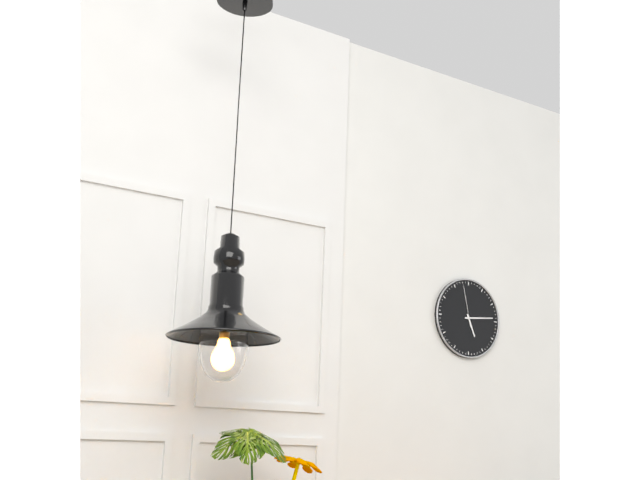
5 h 14 min
